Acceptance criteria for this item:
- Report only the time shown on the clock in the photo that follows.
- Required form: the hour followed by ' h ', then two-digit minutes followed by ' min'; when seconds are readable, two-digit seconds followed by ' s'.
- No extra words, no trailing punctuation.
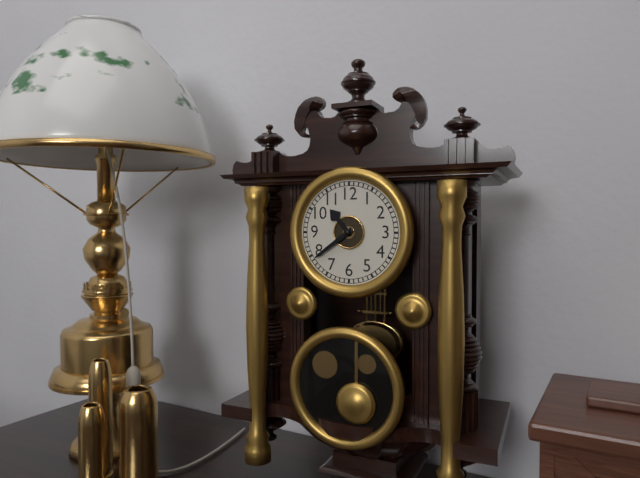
10 h 39 min
